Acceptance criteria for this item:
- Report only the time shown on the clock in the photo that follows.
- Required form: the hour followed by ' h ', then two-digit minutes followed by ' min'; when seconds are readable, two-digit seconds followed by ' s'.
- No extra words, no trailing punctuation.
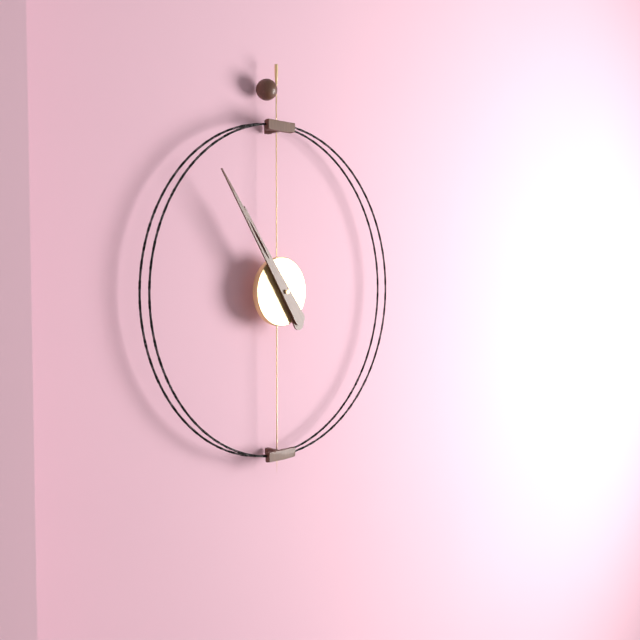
10 h 54 min
